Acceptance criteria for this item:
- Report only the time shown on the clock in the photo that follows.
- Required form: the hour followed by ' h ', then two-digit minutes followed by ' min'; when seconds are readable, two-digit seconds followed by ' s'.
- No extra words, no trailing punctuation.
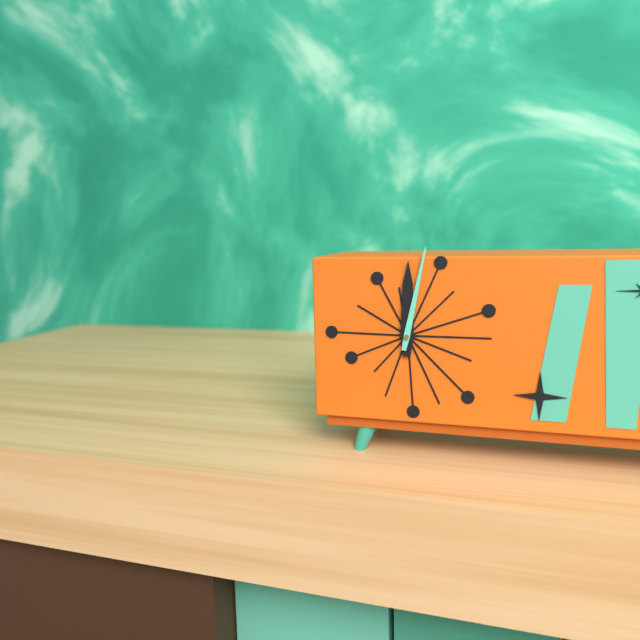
12 h 02 min
